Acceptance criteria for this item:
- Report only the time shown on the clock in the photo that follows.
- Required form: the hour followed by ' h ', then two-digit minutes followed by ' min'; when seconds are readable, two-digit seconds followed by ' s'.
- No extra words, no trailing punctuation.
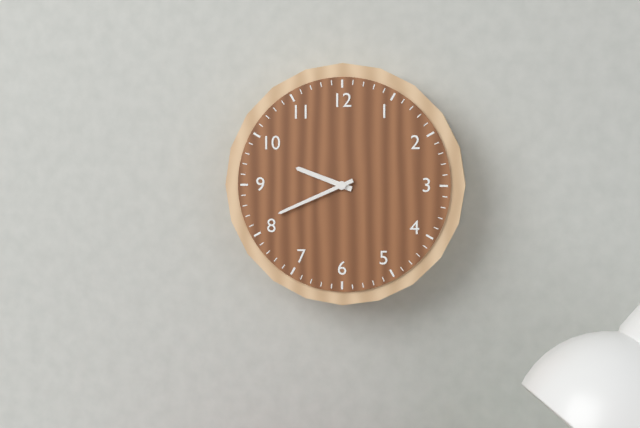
9 h 41 min
